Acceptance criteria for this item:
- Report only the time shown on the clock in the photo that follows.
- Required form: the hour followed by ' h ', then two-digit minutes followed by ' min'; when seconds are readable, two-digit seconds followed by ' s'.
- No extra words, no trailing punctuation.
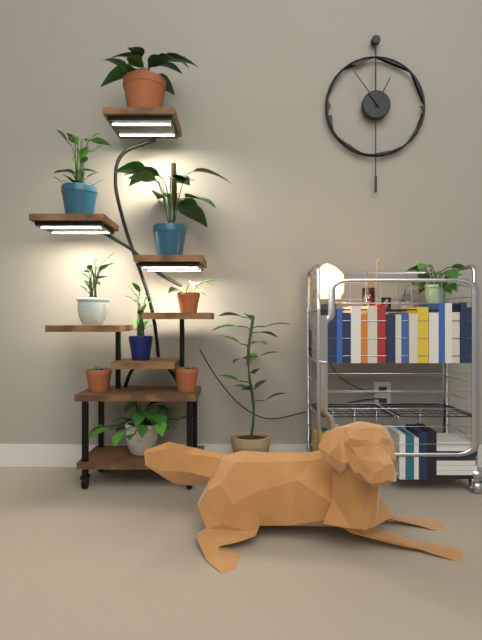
12 h 54 min
